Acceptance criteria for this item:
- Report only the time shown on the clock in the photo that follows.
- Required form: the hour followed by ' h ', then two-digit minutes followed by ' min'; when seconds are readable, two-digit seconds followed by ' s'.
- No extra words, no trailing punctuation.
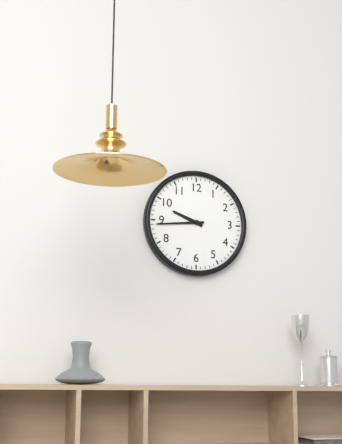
9 h 44 min
